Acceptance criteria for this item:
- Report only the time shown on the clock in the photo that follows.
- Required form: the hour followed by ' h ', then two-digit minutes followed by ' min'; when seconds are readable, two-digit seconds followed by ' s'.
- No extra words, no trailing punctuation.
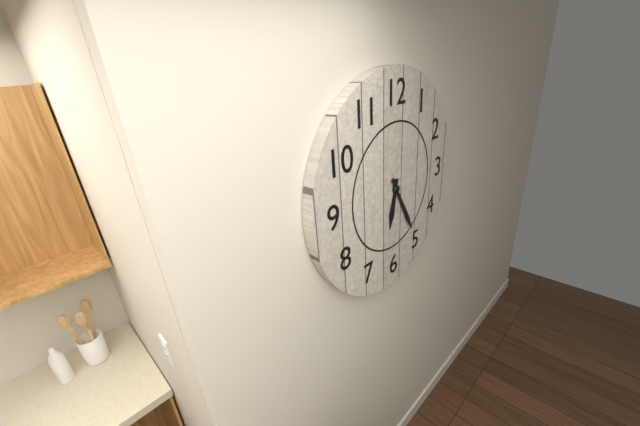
6 h 25 min
